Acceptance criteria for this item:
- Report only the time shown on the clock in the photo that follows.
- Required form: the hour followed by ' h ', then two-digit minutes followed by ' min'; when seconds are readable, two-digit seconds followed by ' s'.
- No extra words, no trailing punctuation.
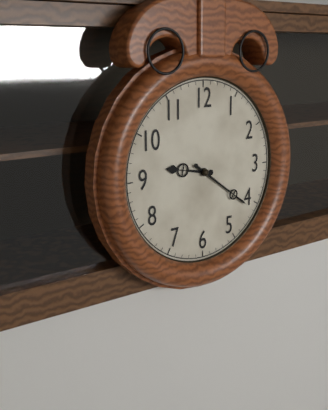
9 h 21 min
